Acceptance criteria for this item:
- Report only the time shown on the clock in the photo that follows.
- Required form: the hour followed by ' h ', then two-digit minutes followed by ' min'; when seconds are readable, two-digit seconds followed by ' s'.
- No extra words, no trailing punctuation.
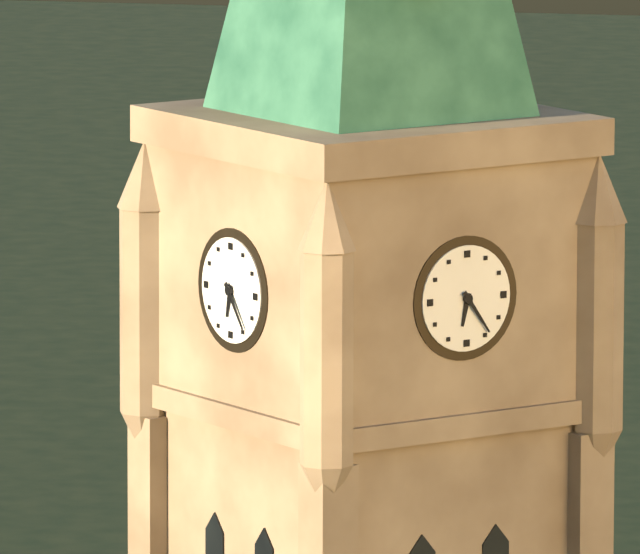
6 h 24 min
